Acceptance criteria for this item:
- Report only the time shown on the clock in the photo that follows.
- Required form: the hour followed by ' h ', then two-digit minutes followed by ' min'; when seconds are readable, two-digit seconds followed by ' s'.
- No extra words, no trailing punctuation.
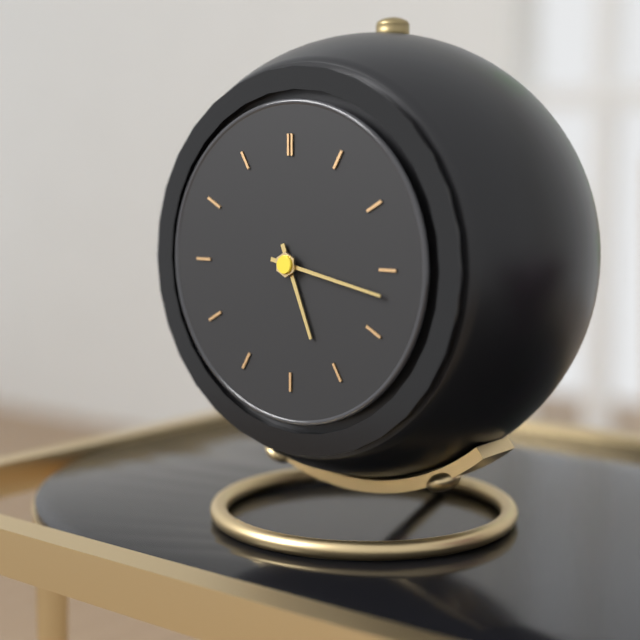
5 h 17 min
